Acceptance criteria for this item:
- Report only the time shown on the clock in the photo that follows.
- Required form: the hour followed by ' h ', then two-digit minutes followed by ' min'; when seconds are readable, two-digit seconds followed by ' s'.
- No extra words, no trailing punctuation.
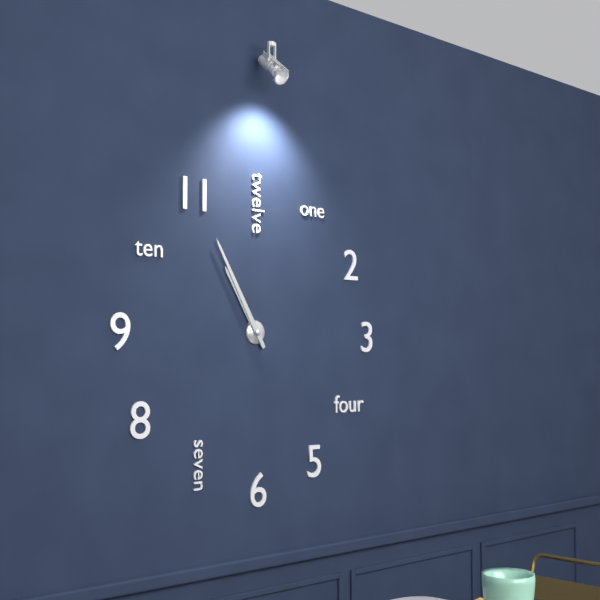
10 h 55 min
